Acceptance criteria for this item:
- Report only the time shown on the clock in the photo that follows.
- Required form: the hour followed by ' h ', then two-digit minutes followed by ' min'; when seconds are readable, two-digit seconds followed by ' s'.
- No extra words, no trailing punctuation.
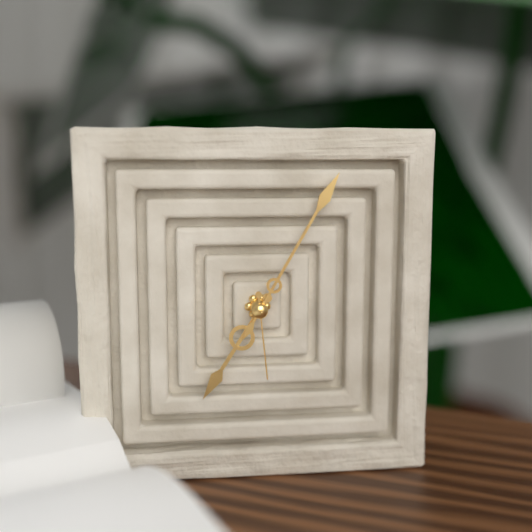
7 h 05 min 29 s
